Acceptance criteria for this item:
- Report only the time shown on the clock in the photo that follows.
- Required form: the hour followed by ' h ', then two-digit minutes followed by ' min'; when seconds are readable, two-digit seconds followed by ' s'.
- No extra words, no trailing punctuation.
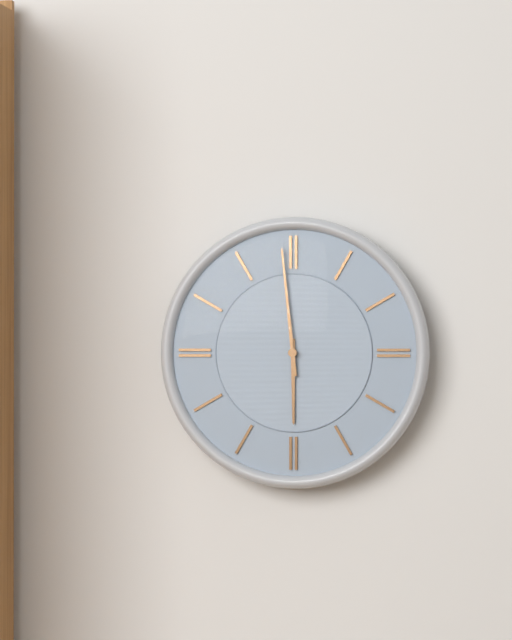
5 h 59 min
